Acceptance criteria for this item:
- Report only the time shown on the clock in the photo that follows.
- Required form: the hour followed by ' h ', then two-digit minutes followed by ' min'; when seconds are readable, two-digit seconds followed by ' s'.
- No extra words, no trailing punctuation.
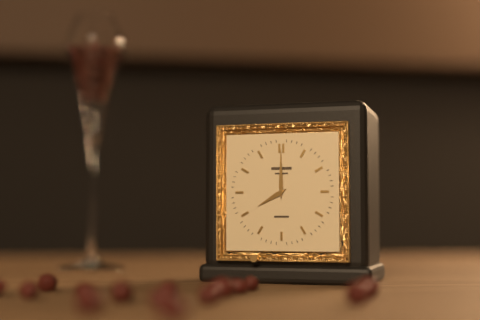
8 h 00 min
